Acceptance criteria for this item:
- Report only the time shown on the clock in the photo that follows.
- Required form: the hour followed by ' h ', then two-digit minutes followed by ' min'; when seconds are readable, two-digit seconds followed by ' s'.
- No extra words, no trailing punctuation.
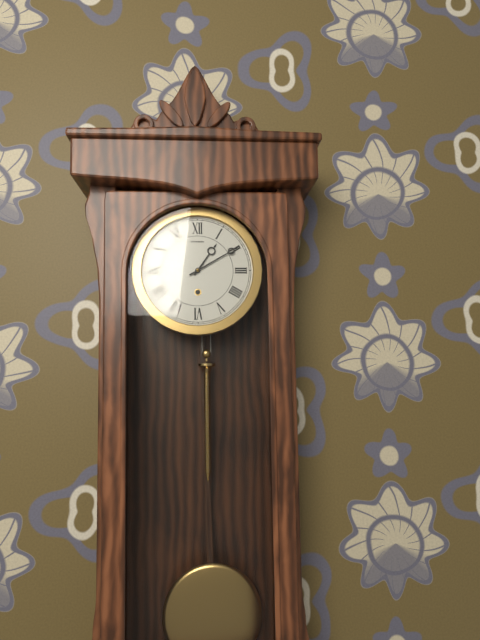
1 h 10 min
